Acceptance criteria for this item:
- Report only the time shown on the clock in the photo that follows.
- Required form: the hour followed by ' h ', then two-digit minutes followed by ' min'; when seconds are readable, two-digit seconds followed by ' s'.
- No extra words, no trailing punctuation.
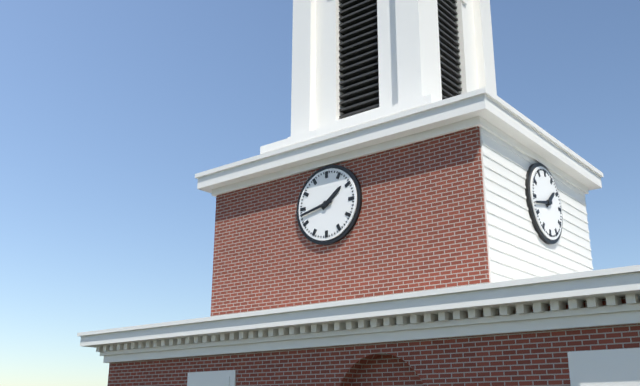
1 h 43 min
